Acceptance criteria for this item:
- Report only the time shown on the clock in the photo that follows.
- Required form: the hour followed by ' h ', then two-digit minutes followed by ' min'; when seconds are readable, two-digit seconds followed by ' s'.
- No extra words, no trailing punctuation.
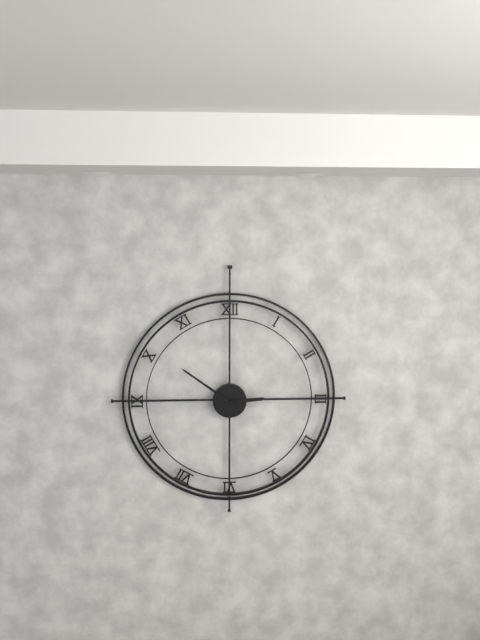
2 h 51 min
